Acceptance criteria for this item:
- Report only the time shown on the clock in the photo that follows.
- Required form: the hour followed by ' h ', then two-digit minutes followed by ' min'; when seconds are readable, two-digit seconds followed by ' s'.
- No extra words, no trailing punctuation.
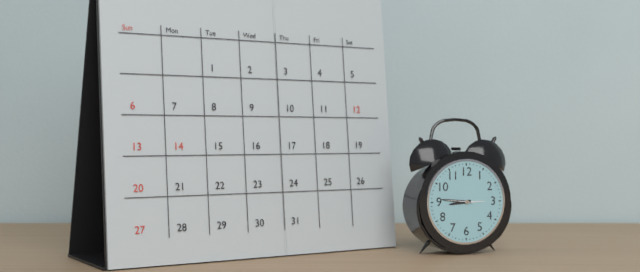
8 h 46 min
